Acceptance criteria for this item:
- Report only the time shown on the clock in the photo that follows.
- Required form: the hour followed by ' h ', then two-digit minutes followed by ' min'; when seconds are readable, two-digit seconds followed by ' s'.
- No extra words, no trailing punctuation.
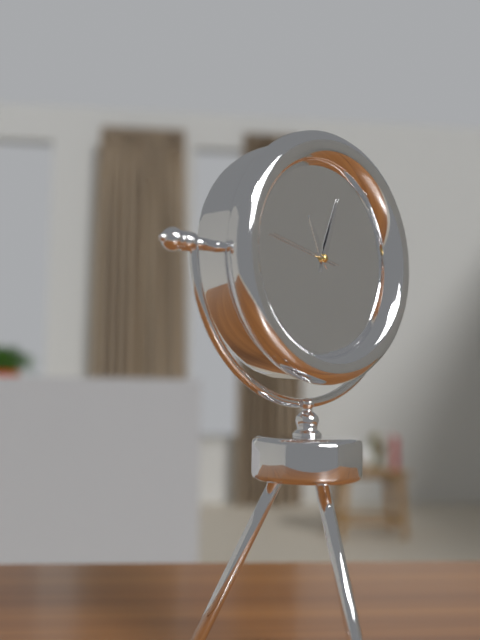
11 h 03 min 47 s
